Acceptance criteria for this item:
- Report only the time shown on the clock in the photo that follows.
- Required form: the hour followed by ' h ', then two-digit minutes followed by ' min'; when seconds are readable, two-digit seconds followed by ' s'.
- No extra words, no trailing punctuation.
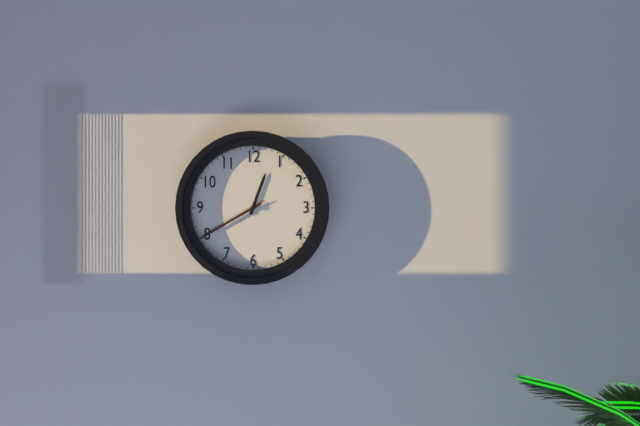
12 h 40 min 40 s
